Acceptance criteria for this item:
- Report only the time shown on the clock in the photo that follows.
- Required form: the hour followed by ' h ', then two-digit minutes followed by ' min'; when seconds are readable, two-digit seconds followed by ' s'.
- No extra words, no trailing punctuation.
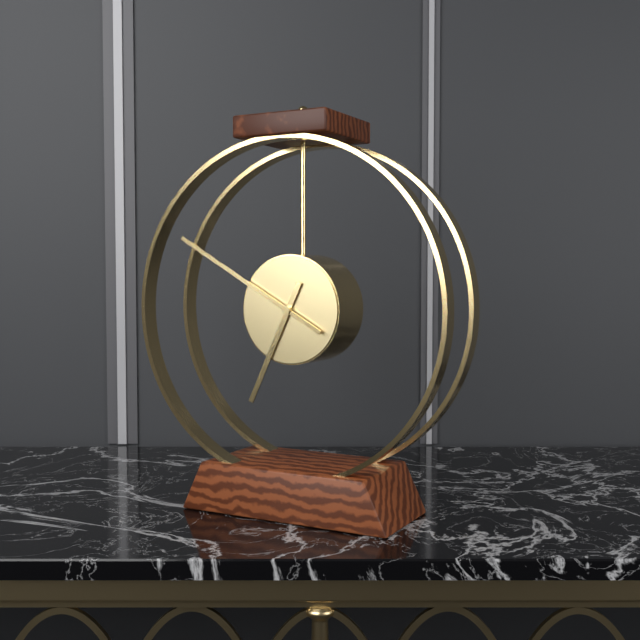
6 h 50 min
